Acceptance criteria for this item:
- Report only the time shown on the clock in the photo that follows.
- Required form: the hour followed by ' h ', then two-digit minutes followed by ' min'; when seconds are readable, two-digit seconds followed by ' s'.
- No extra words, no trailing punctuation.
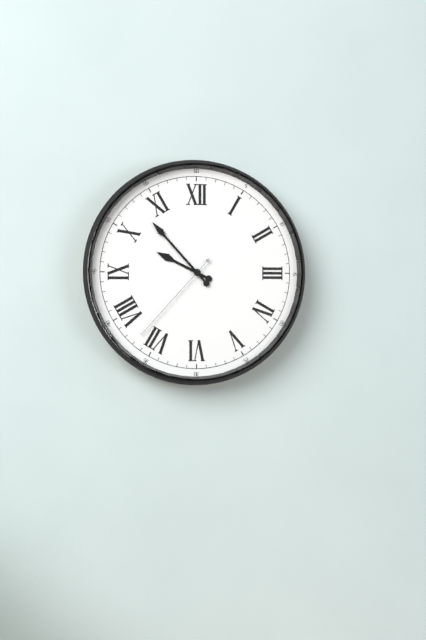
9 h 53 min 37 s
